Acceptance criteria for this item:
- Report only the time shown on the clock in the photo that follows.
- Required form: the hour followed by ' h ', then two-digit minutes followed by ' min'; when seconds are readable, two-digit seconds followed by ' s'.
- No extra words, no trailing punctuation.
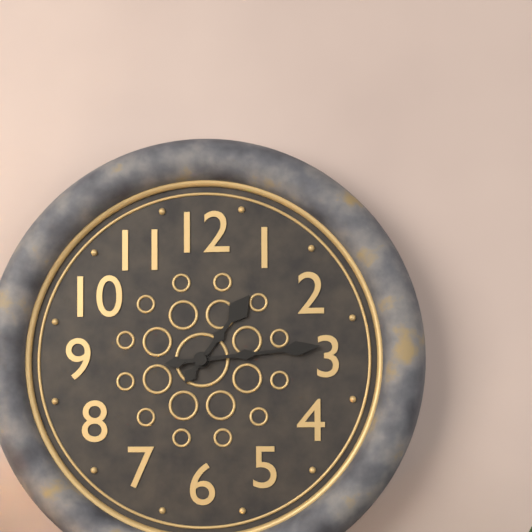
1 h 14 min
